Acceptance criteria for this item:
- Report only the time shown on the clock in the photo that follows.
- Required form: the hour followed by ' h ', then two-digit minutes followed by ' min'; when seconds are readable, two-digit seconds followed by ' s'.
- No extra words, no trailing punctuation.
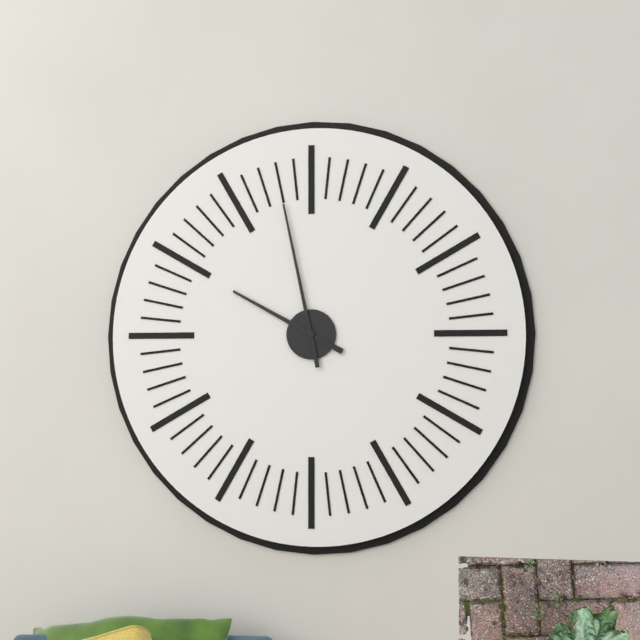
9 h 58 min
